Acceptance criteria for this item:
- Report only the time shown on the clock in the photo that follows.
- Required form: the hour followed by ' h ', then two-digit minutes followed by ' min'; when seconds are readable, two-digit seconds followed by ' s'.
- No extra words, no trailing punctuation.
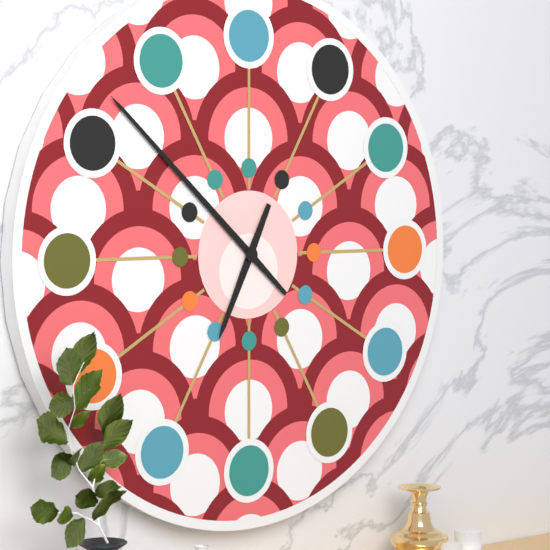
6 h 52 min
